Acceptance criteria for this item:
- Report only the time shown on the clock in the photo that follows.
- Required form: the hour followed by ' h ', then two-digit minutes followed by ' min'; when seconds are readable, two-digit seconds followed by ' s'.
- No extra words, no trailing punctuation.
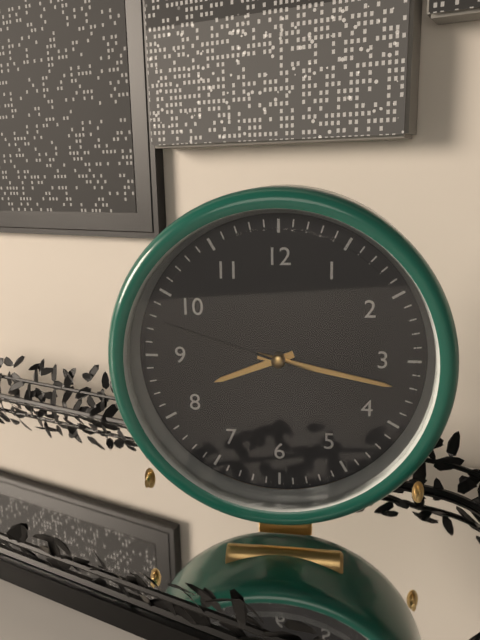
8 h 17 min 48 s
